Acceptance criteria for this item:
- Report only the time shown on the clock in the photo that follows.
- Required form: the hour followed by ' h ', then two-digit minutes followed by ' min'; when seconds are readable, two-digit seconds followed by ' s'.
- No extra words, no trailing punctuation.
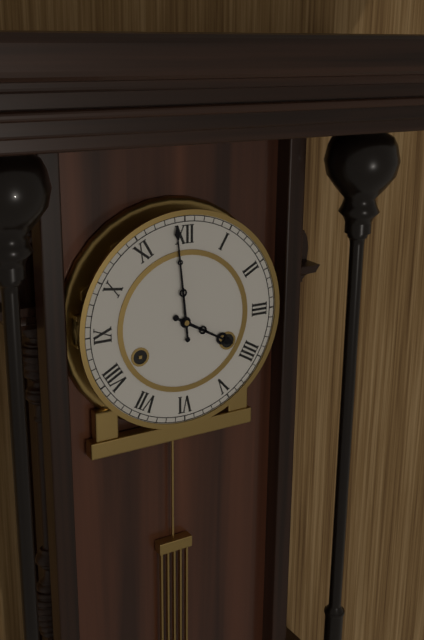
3 h 59 min
